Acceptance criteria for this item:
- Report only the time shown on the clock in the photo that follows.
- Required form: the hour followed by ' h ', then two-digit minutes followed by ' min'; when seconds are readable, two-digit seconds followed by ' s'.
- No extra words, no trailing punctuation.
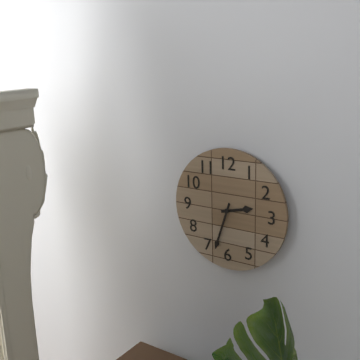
2 h 33 min
